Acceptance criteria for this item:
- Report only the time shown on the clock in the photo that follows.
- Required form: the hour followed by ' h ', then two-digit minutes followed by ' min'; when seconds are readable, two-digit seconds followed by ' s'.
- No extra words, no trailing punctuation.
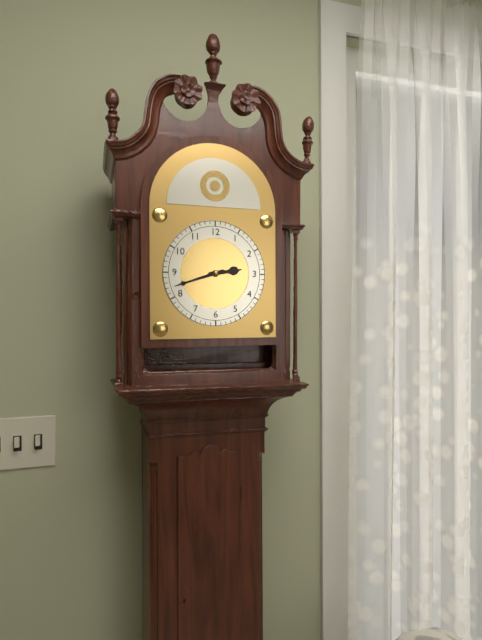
2 h 42 min
